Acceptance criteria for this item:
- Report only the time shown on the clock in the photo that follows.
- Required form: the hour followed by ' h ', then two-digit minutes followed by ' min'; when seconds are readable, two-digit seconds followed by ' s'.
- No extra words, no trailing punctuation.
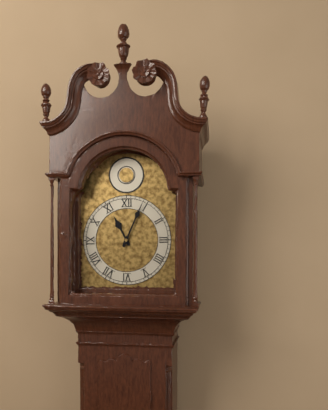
11 h 04 min
